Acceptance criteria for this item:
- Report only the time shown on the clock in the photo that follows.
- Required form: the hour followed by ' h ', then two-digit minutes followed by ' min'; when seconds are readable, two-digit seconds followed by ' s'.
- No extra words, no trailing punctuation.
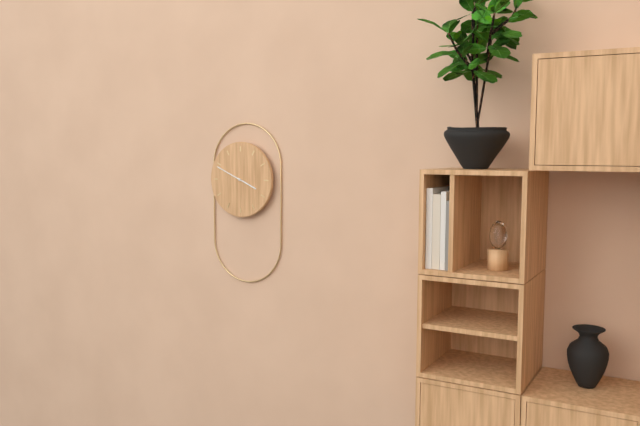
3 h 49 min
